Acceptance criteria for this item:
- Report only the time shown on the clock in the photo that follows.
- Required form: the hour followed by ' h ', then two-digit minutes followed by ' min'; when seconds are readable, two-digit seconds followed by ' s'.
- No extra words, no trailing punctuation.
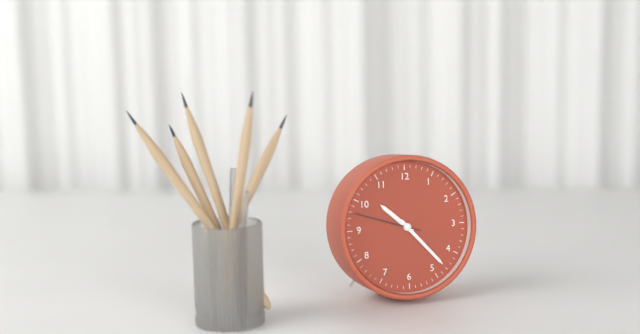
10 h 23 min 48 s
